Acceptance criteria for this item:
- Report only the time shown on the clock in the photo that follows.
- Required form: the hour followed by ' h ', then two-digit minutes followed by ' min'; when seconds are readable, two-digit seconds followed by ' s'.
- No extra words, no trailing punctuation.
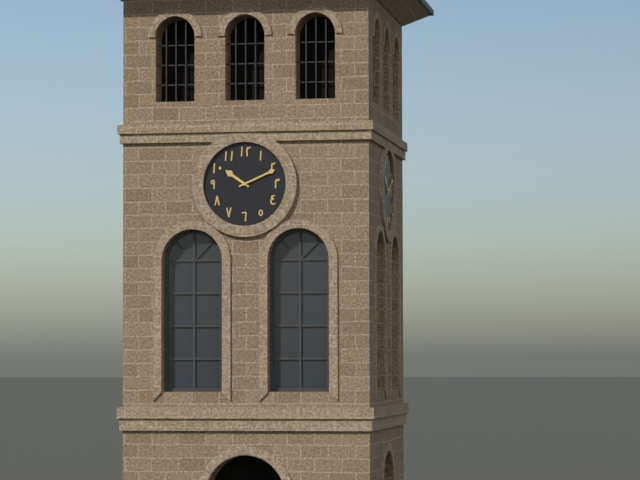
10 h 11 min
